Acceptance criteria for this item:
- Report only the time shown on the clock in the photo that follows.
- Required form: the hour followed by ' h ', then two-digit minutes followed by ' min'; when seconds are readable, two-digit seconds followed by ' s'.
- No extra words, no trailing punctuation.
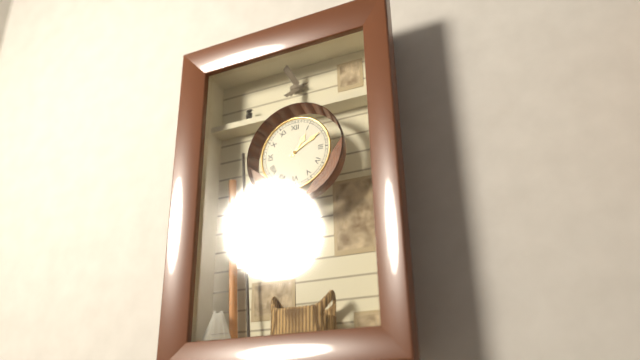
1 h 10 min
